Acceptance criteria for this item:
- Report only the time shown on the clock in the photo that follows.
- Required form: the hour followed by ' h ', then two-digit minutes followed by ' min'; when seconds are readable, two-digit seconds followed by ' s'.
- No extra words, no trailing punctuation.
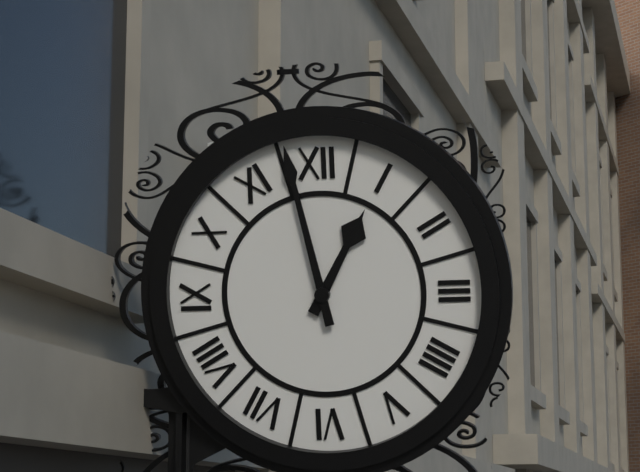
12 h 58 min
